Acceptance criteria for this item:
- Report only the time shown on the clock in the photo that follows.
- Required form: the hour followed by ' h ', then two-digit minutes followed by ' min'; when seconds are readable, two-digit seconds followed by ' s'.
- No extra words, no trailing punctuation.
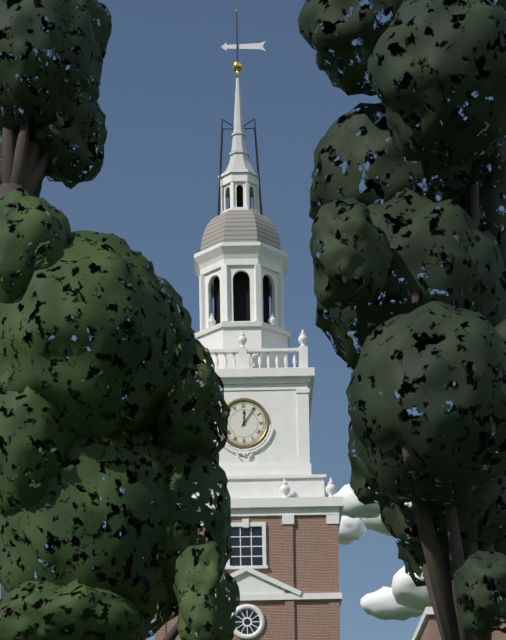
12 h 06 min
